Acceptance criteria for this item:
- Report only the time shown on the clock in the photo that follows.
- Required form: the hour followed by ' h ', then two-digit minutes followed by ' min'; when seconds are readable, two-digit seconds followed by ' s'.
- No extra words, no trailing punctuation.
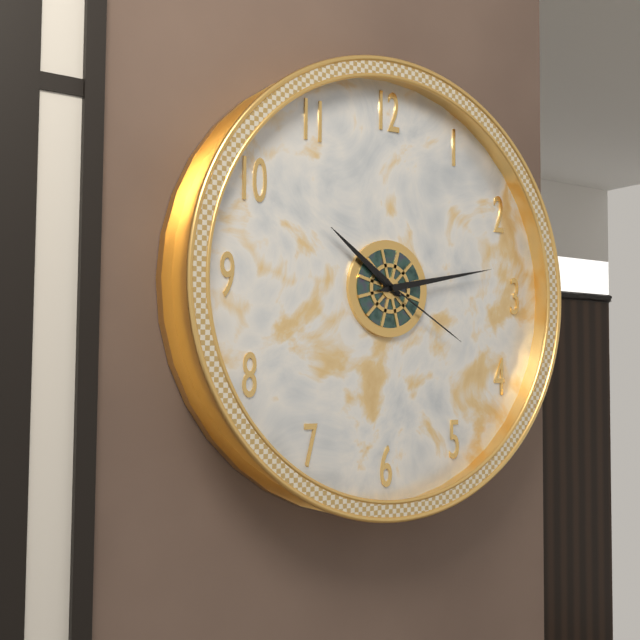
10 h 13 min 20 s
